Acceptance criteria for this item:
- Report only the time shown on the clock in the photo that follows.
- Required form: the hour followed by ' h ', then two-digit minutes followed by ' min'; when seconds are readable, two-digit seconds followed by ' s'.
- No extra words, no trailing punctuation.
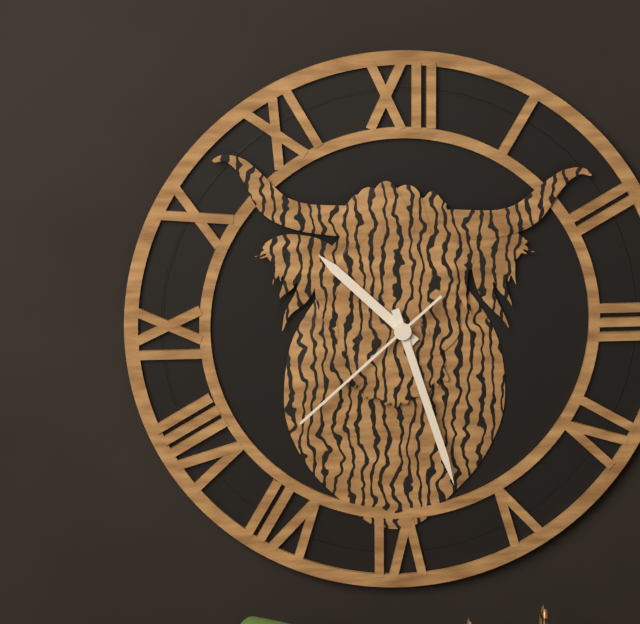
10 h 27 min 38 s
